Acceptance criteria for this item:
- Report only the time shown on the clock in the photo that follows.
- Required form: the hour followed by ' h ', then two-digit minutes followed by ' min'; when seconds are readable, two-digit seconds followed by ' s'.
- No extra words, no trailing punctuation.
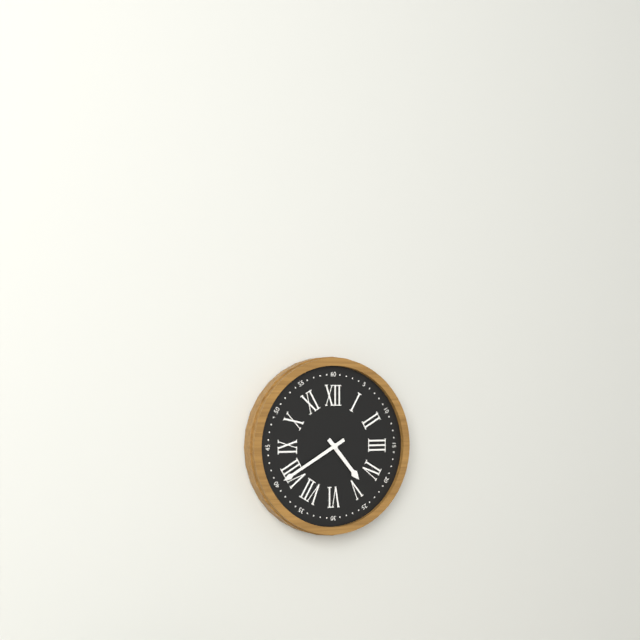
4 h 40 min
